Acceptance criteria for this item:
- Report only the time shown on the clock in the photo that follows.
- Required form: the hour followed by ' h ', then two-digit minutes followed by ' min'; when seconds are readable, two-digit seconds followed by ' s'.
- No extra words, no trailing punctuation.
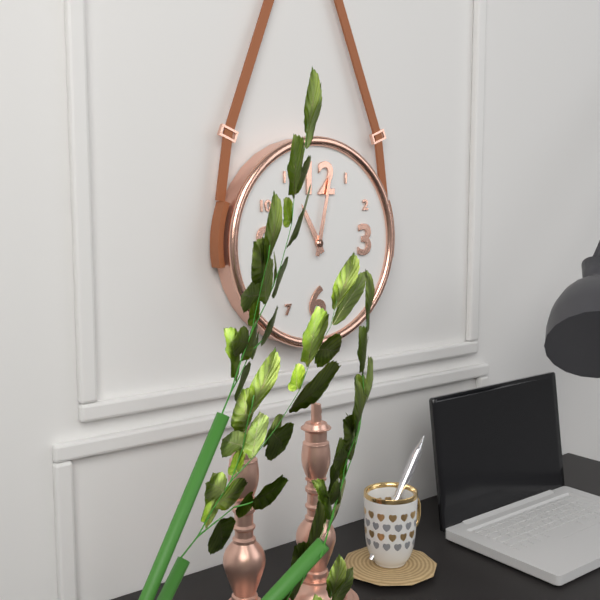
11 h 02 min
